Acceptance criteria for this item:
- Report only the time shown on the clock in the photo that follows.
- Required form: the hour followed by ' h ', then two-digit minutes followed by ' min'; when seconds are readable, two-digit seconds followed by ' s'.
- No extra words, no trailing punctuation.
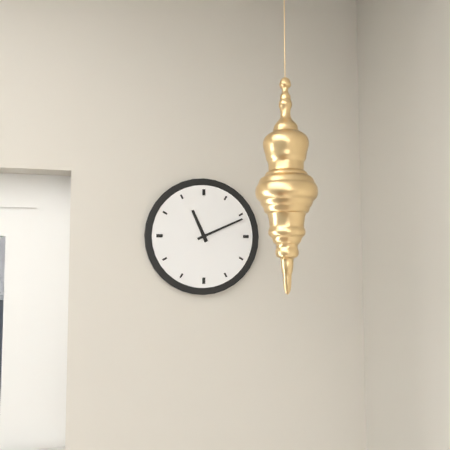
11 h 11 min
